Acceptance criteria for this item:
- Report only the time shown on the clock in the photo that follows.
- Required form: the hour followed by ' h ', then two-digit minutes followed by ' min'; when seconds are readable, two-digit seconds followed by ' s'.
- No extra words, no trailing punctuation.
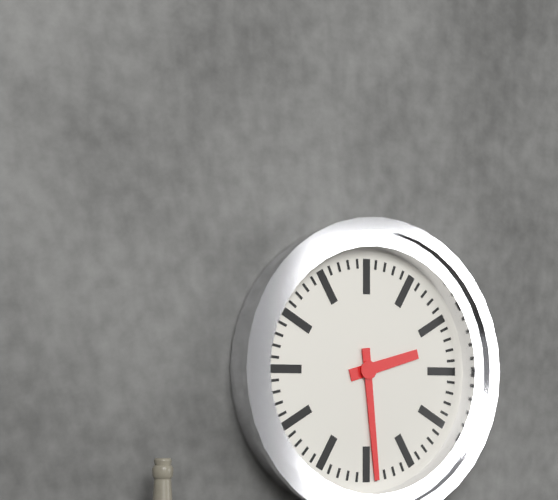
2 h 29 min
